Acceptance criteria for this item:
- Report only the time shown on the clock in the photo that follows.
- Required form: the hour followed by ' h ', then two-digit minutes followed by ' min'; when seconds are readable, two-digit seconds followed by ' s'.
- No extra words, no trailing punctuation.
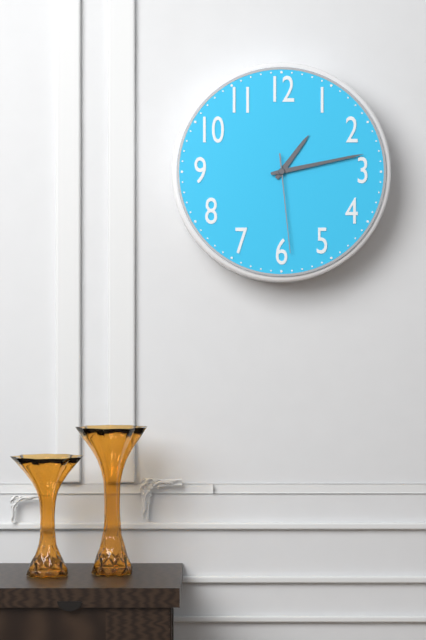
1 h 13 min 29 s
